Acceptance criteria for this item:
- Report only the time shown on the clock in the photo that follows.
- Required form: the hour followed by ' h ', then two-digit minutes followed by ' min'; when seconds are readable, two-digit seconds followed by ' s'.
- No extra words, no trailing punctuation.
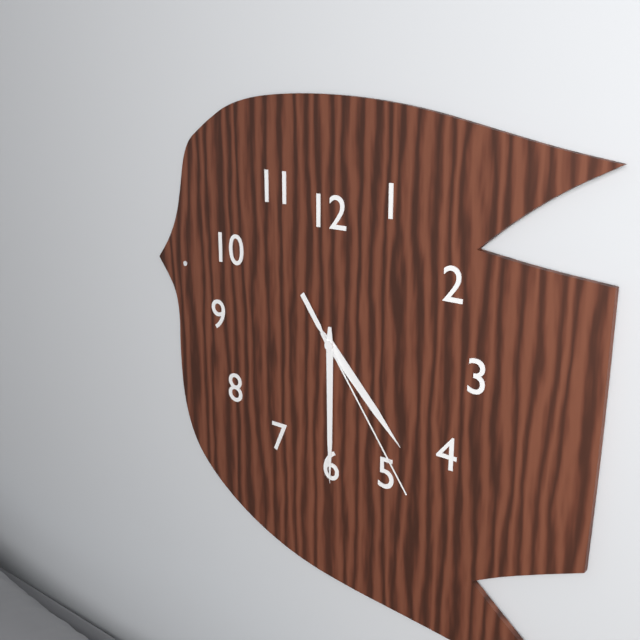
4 h 30 min 24 s
